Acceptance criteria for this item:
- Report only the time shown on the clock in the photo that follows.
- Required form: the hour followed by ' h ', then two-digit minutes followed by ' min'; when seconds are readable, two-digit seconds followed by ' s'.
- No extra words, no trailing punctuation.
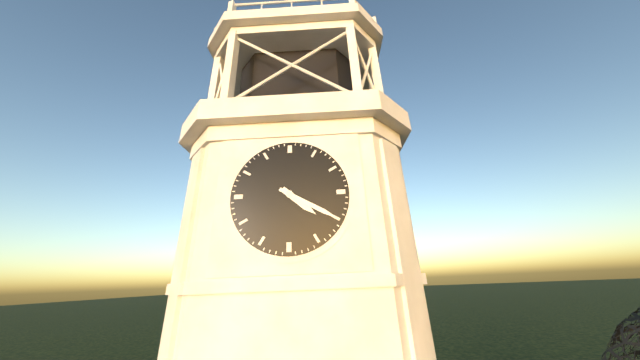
4 h 20 min
